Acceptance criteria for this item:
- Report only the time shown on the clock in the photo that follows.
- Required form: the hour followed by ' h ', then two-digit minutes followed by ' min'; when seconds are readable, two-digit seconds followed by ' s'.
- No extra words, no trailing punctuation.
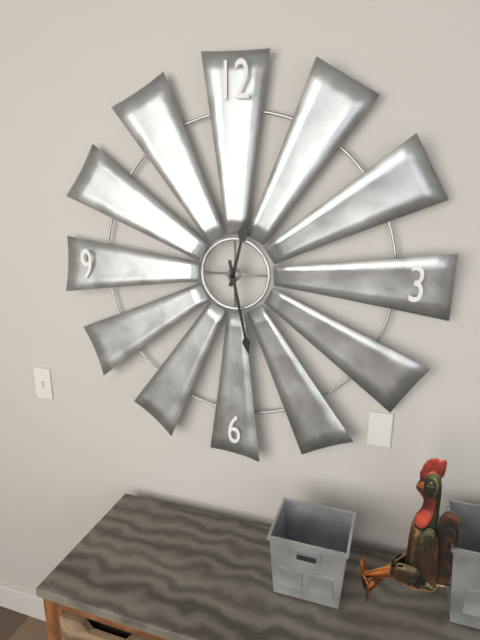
12 h 28 min
